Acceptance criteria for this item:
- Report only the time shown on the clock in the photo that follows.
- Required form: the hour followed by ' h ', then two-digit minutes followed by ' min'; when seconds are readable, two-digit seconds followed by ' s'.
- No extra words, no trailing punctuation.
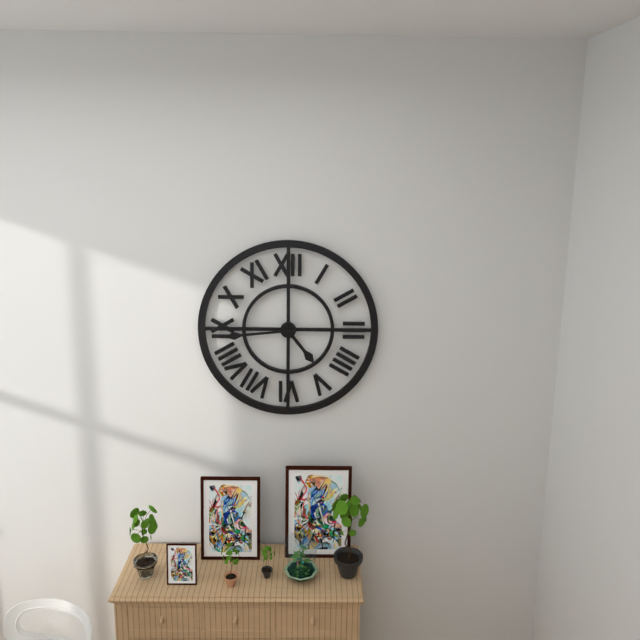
4 h 44 min
